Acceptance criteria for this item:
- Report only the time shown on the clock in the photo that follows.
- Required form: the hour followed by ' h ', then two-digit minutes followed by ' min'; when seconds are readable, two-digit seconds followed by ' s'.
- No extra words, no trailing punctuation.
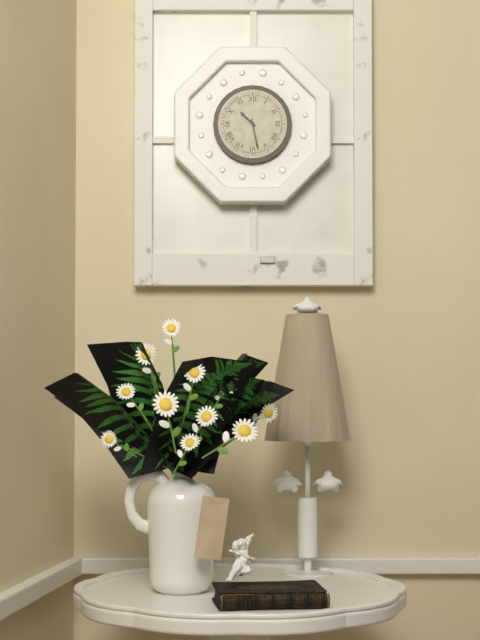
10 h 28 min
